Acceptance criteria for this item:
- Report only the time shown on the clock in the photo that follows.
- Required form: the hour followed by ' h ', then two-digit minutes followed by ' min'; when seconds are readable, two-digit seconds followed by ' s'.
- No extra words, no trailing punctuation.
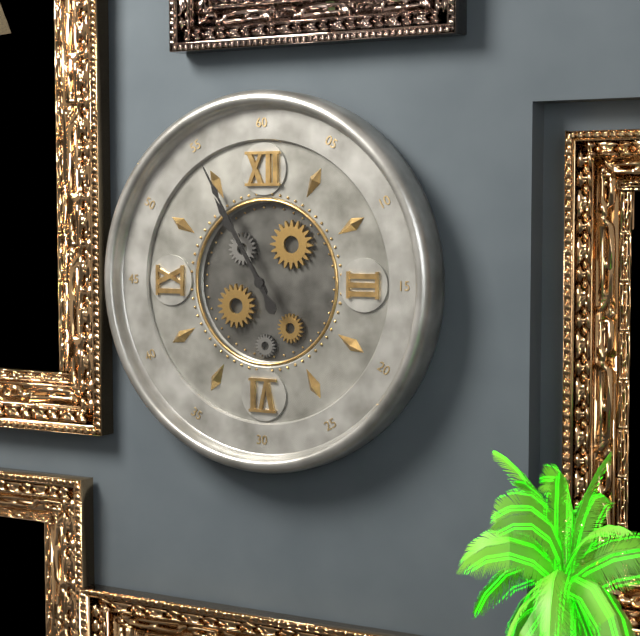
10 h 55 min
